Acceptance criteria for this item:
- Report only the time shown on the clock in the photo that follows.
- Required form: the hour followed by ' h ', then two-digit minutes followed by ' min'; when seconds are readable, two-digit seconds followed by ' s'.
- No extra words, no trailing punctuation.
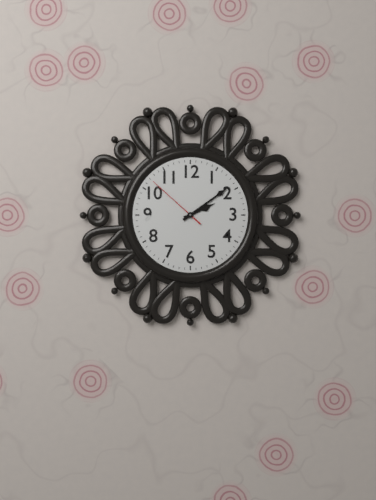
2 h 09 min 52 s
